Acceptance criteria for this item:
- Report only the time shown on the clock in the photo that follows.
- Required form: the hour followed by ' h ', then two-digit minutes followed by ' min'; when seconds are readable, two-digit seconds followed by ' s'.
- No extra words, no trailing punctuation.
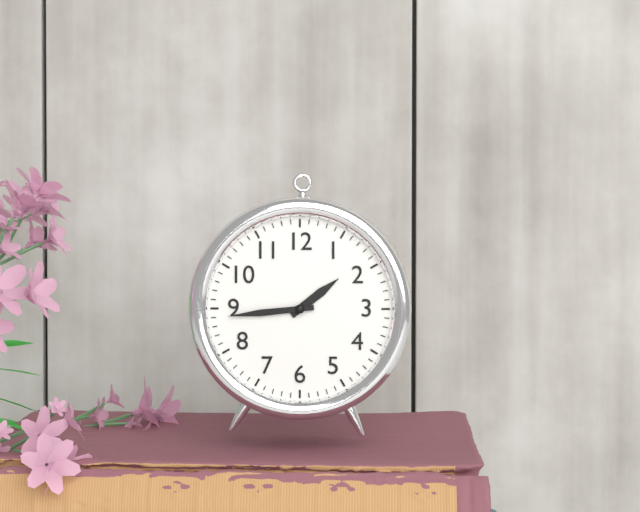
1 h 44 min
